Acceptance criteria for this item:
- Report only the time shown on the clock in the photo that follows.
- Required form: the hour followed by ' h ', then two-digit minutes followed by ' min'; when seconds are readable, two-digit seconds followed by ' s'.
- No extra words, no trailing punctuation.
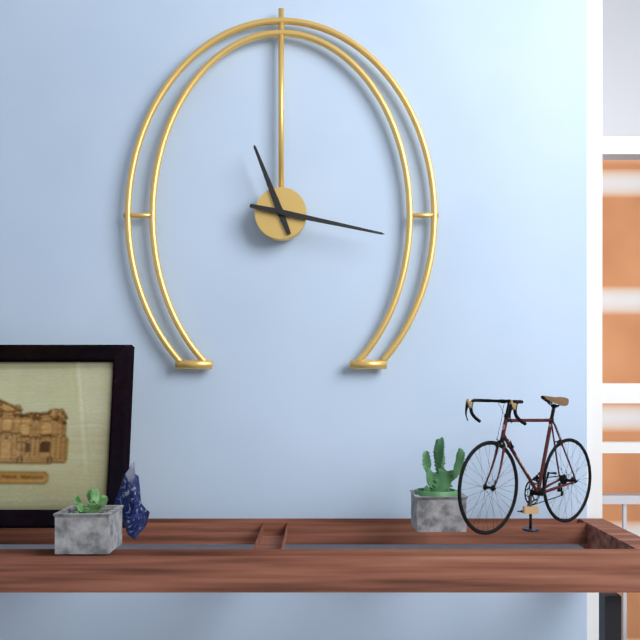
11 h 17 min
